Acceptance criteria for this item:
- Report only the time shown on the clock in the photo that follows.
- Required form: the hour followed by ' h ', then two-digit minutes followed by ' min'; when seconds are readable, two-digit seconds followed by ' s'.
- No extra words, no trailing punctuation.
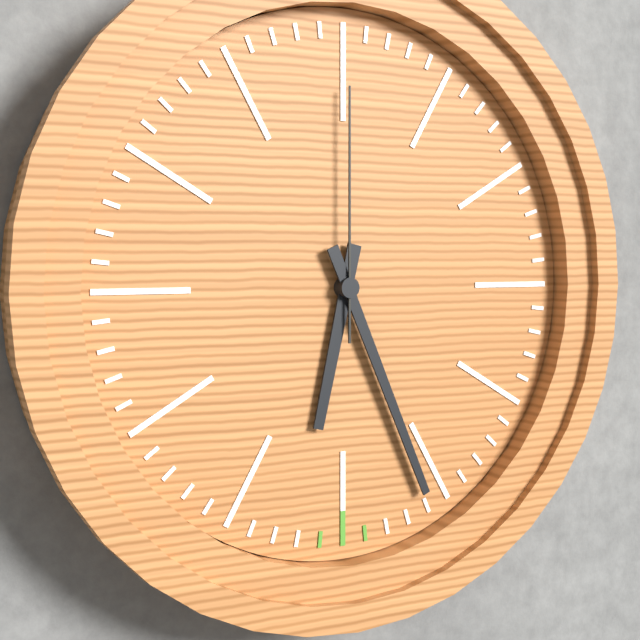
6 h 26 min 00 s
